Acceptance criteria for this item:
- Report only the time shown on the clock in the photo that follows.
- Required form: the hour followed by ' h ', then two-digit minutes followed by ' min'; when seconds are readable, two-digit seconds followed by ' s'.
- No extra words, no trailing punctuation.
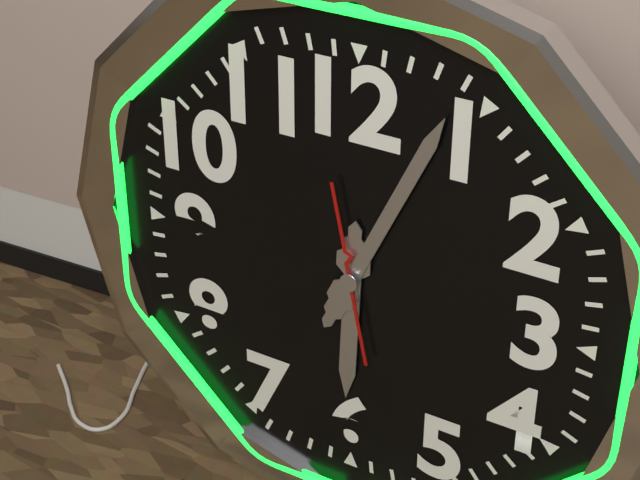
6 h 04 min 58 s
